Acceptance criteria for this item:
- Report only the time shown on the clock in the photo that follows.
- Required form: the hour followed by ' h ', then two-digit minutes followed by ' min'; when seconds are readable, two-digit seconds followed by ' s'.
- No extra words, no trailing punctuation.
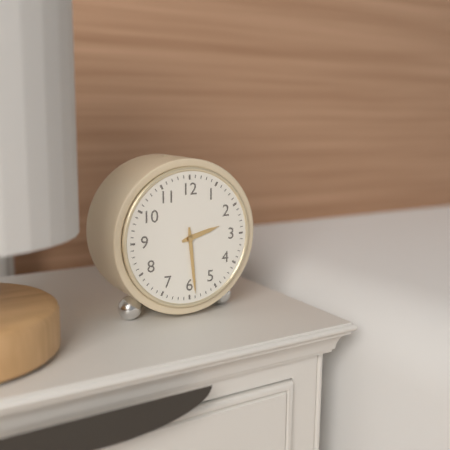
2 h 29 min
